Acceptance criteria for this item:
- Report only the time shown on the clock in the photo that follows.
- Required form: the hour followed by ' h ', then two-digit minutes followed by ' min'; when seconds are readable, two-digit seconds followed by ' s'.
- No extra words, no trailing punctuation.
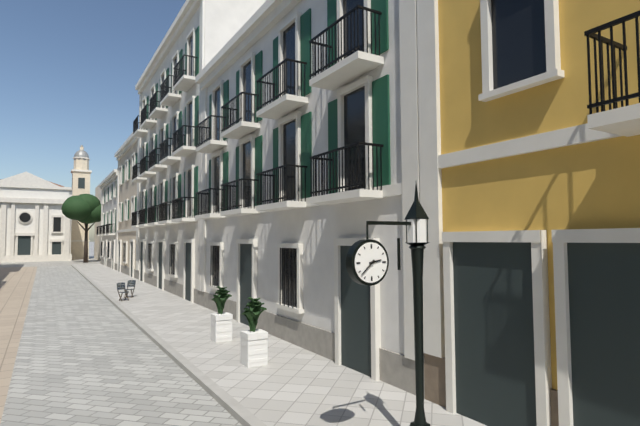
2 h 38 min
